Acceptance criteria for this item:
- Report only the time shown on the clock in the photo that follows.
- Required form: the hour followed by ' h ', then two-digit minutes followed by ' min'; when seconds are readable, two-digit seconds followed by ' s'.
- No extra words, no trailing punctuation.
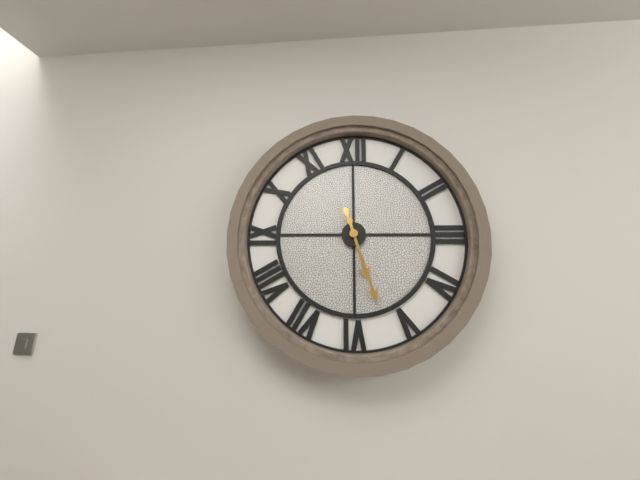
5 h 27 min
